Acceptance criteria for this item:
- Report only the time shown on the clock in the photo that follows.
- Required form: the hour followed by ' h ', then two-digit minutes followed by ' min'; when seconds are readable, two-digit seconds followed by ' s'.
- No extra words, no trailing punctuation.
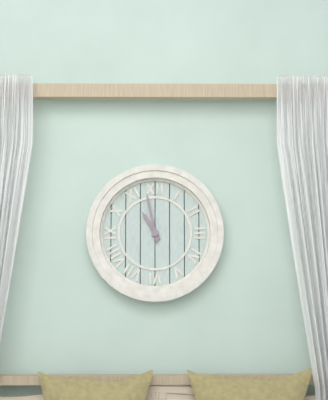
10 h 58 min
